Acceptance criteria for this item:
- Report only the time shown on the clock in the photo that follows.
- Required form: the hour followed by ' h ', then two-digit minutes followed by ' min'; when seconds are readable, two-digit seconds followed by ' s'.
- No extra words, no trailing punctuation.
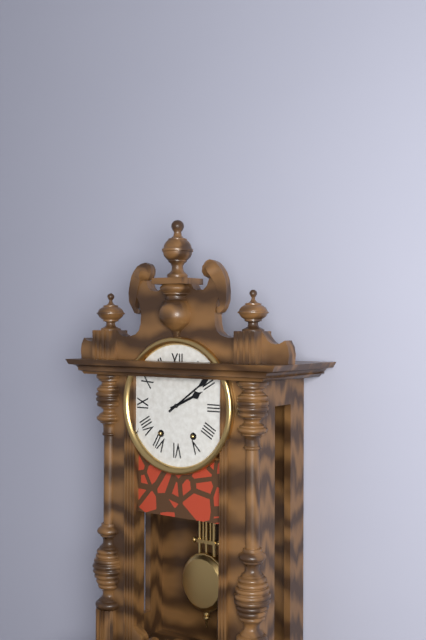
2 h 09 min
